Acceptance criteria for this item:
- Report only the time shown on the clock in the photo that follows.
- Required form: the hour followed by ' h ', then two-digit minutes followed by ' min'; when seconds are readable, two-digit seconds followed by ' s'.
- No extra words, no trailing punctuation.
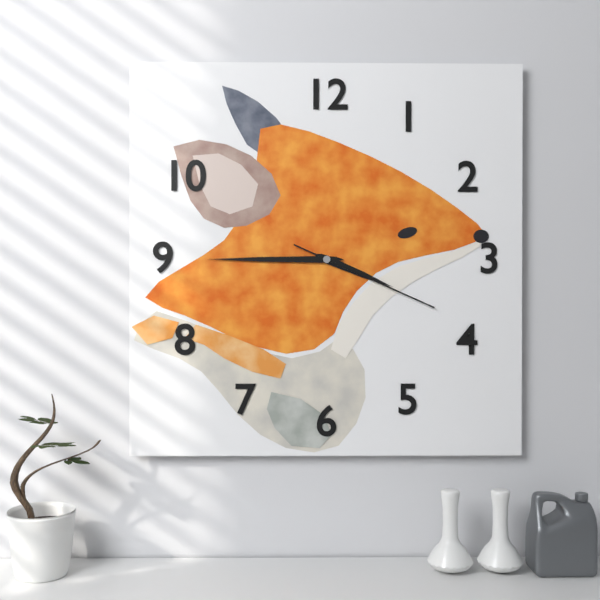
3 h 45 min 19 s
